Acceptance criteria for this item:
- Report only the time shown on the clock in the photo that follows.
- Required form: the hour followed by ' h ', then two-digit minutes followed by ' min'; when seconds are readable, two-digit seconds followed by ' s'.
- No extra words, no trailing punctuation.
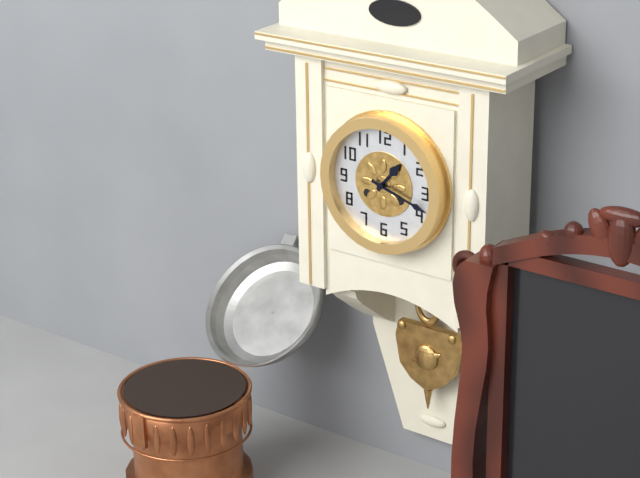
1 h 18 min
